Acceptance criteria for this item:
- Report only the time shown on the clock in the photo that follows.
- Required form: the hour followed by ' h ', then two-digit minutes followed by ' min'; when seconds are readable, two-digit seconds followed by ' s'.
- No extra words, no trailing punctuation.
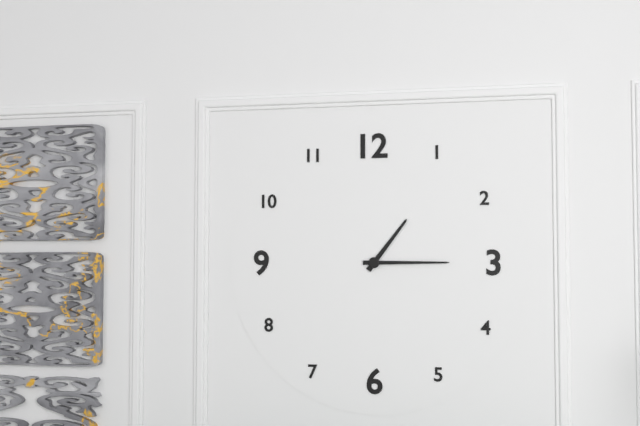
1 h 15 min
